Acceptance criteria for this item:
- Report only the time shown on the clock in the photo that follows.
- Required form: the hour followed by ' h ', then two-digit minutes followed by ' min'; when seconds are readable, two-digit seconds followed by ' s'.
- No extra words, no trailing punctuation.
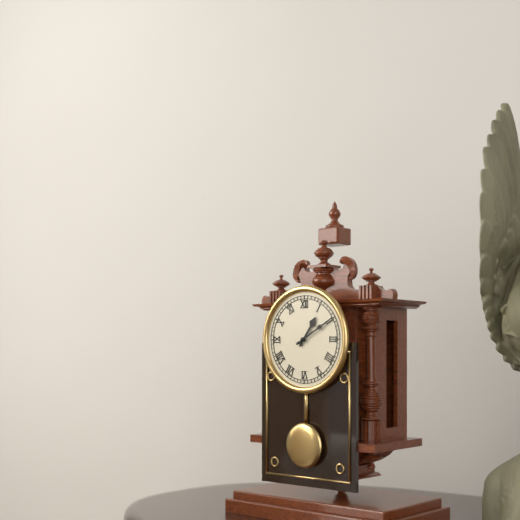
1 h 10 min
